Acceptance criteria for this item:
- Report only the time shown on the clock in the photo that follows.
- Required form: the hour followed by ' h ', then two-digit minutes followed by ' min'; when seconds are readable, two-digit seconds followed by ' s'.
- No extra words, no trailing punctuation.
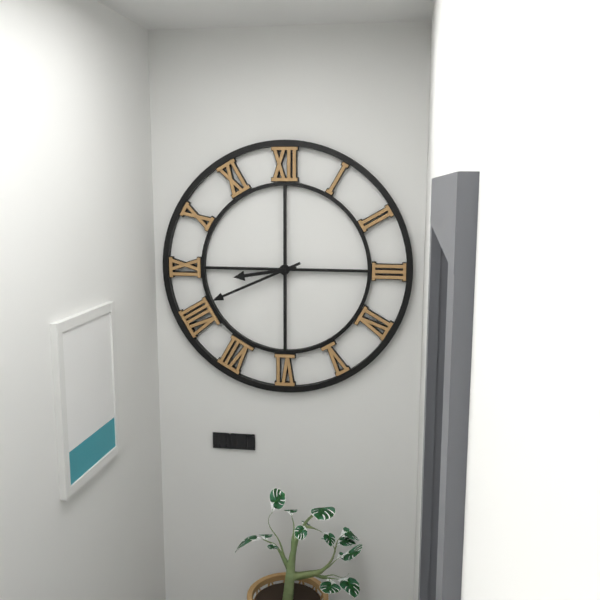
8 h 41 min
